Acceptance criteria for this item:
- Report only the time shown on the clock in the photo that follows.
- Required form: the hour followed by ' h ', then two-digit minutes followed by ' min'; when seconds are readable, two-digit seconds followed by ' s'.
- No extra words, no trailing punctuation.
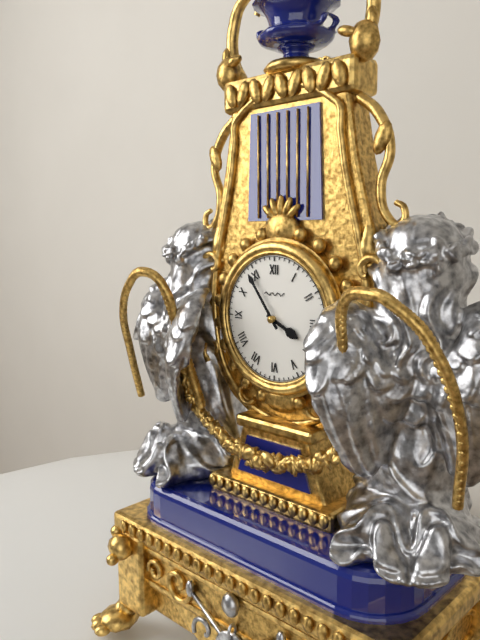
3 h 54 min
